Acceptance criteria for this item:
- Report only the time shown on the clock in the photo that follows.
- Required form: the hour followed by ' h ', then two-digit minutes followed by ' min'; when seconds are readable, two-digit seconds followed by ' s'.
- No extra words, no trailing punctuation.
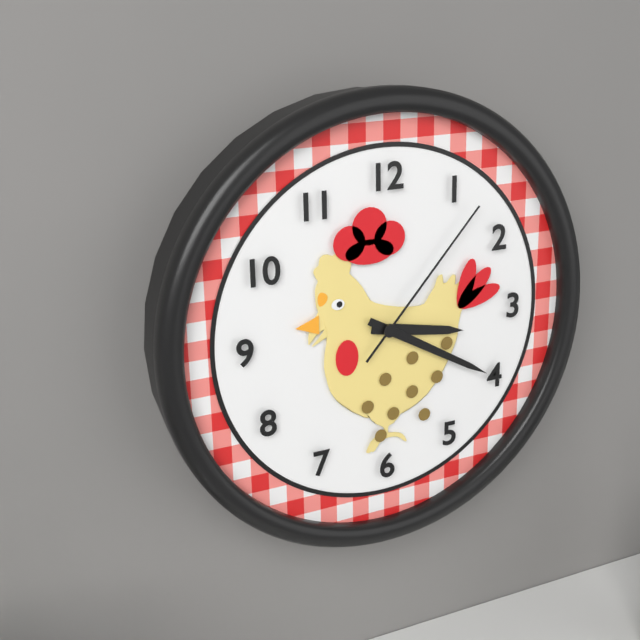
3 h 20 min 07 s
